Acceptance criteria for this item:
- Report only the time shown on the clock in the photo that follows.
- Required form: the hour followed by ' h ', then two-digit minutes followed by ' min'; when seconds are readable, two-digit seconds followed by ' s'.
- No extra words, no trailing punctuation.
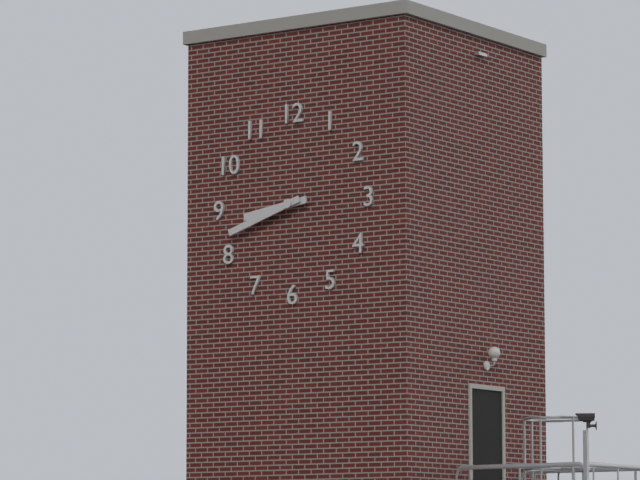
8 h 42 min
